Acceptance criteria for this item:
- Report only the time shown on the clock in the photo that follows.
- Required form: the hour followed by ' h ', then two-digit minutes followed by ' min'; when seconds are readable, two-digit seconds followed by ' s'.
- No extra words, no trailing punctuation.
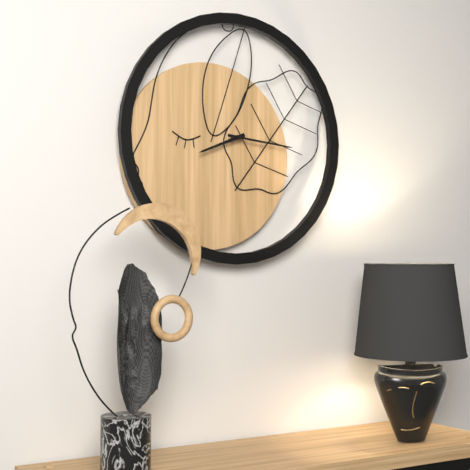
8 h 16 min
